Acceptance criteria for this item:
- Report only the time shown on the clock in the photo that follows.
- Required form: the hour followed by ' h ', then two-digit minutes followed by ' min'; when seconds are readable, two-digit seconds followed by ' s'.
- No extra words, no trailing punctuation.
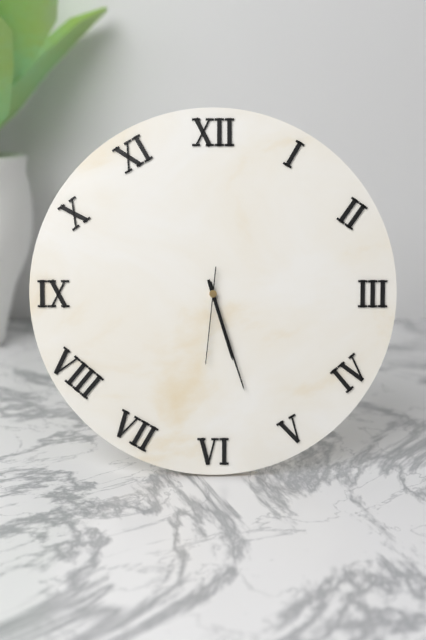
5 h 27 min 31 s
